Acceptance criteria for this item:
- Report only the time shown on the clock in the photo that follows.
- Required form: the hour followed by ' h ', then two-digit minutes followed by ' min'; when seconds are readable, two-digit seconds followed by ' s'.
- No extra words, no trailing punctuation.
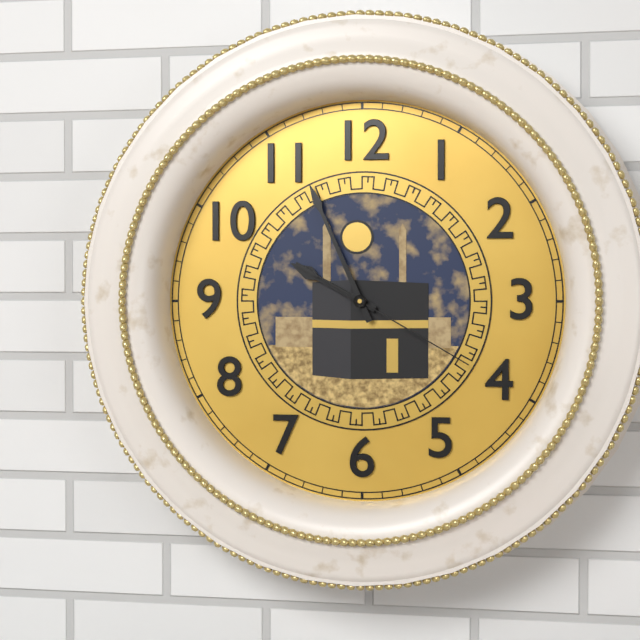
9 h 56 min 20 s
